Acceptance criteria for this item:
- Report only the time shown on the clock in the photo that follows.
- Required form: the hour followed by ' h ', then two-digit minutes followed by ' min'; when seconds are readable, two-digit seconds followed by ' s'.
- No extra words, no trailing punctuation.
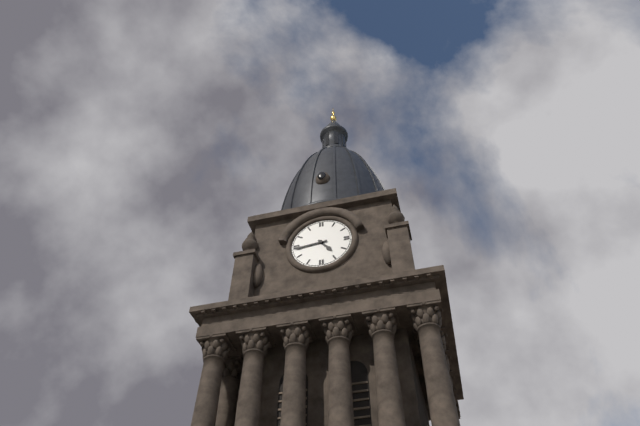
4 h 44 min
